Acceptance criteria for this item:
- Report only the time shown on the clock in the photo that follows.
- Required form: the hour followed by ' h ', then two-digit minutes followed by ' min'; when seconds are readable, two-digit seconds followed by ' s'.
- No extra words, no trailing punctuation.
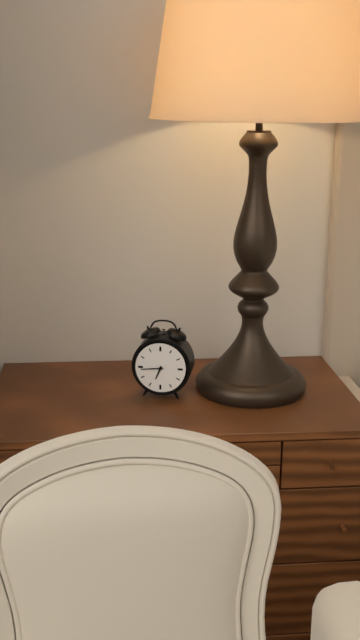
6 h 44 min
